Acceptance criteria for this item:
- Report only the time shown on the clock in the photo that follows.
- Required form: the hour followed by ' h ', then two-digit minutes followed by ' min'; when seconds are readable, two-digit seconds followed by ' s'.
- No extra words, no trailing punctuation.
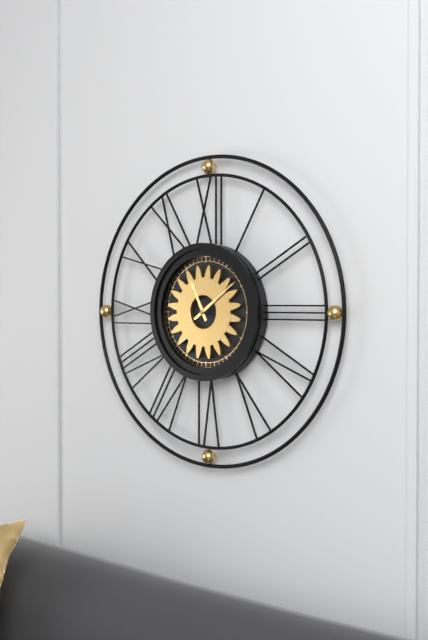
11 h 09 min
